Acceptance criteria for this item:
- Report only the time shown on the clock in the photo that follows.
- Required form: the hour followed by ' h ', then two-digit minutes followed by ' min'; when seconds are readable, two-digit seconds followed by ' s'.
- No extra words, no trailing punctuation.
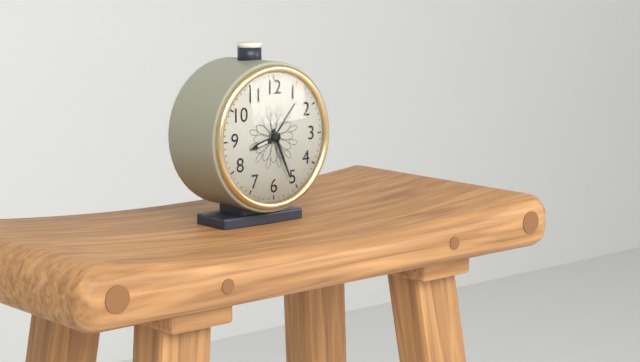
8 h 26 min
